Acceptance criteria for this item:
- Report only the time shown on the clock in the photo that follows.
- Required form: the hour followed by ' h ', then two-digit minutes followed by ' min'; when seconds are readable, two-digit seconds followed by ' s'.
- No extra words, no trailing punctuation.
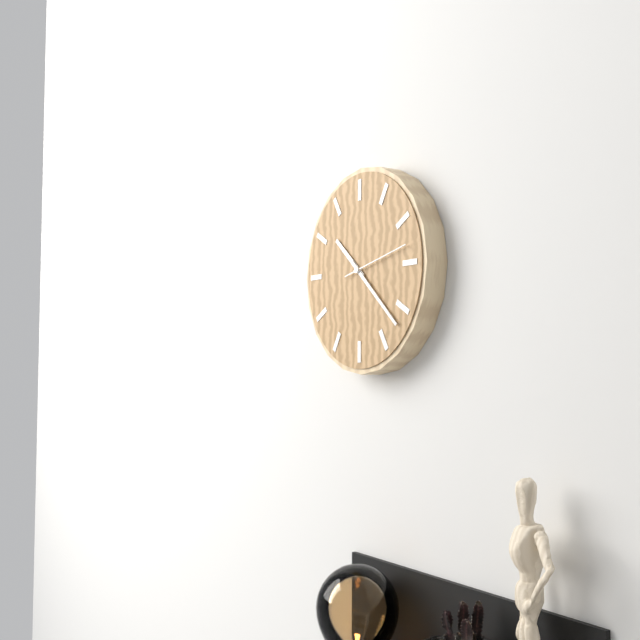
10 h 22 min 13 s
